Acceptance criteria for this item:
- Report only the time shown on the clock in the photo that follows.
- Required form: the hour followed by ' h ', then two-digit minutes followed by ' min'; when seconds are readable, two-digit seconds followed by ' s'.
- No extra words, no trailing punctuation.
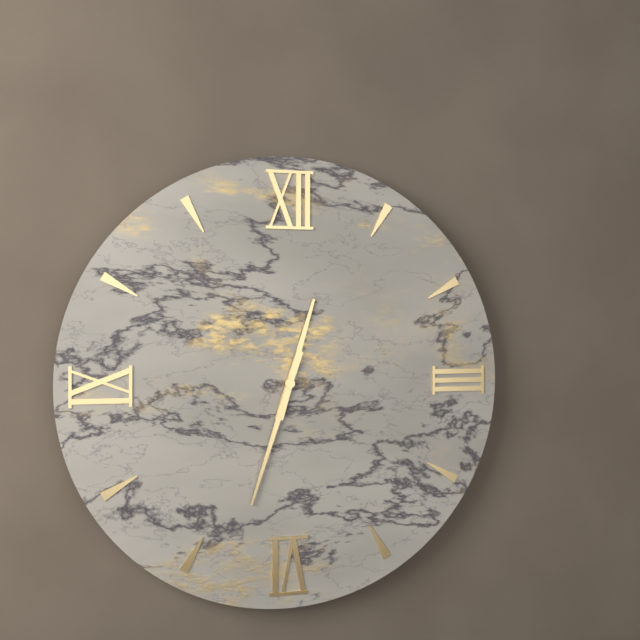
12 h 33 min
